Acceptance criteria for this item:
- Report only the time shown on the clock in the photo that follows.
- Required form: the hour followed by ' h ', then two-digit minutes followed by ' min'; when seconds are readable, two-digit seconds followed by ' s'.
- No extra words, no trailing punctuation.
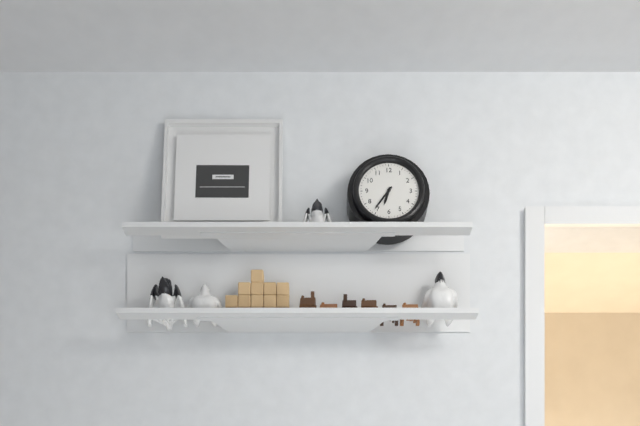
6 h 36 min
